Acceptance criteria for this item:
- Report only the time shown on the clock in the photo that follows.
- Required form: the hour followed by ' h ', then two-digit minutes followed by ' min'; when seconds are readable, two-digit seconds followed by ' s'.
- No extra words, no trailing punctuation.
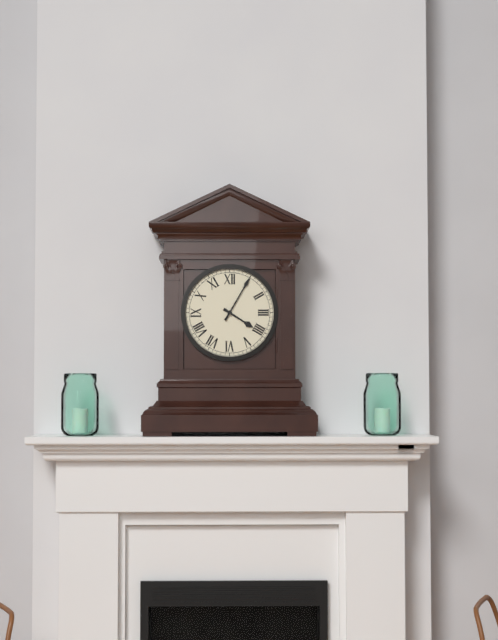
4 h 05 min
